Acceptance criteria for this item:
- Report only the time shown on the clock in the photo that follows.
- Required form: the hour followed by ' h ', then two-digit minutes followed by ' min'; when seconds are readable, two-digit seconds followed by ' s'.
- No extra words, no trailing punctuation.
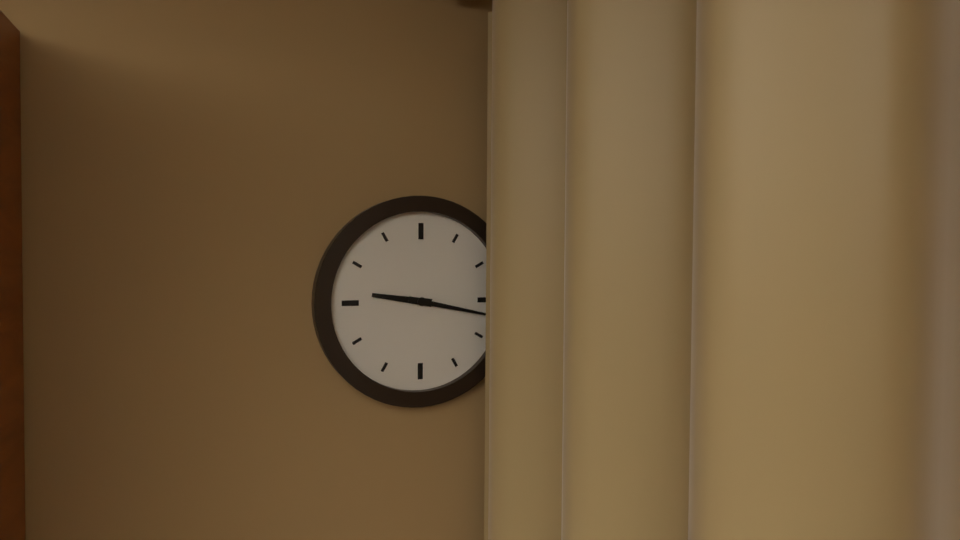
9 h 17 min
